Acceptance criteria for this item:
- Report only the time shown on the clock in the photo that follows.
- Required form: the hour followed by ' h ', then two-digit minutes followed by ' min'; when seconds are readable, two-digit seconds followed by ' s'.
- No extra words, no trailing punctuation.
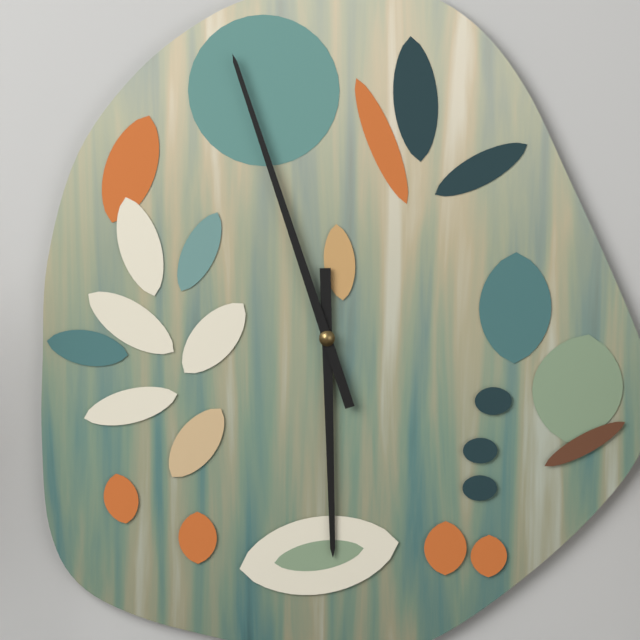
5 h 57 min
